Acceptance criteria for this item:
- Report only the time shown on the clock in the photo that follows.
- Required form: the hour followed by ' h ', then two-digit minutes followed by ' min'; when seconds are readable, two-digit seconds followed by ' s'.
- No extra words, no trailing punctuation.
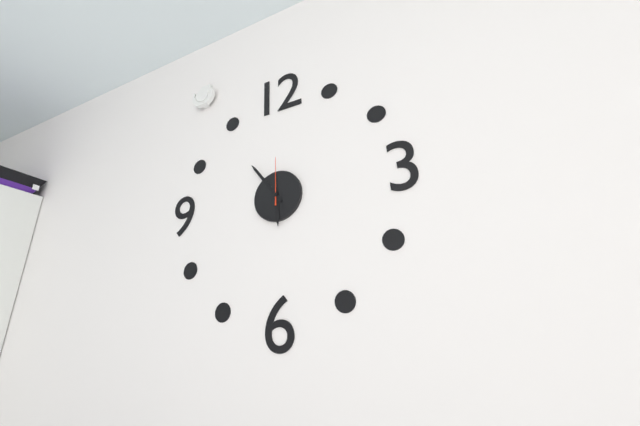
5 h 54 min
